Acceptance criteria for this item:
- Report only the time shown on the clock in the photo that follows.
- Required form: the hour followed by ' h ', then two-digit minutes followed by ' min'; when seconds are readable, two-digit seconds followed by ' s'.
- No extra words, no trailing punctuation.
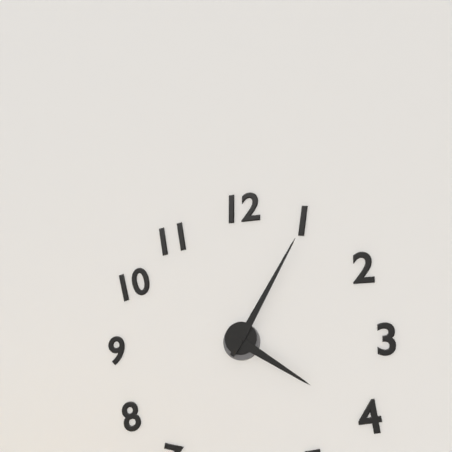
4 h 05 min
